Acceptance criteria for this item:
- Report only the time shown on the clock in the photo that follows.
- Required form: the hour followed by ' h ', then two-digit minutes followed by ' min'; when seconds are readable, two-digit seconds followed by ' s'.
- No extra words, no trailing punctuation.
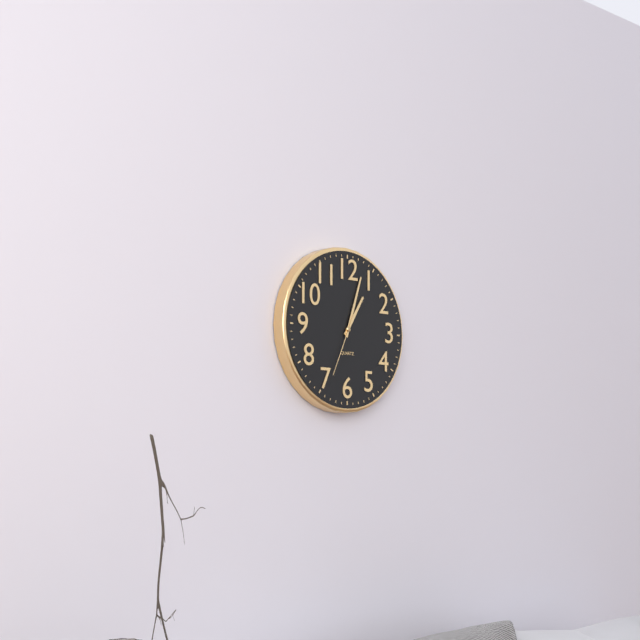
1 h 03 min 34 s
